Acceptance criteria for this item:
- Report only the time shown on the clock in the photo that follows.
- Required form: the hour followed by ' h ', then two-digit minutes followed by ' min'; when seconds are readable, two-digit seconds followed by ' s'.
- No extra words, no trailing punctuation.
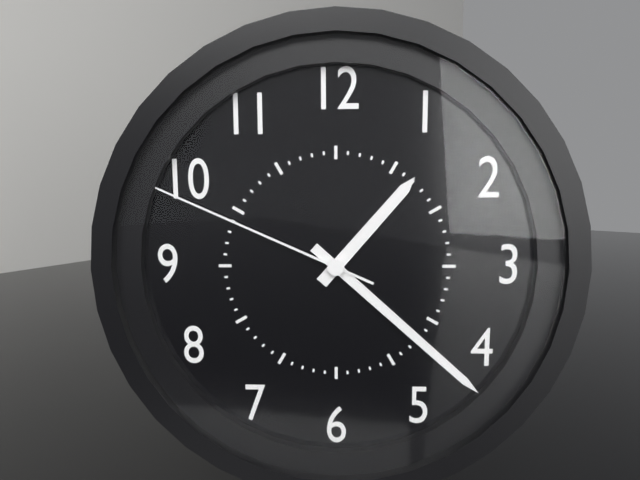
1 h 22 min 49 s
